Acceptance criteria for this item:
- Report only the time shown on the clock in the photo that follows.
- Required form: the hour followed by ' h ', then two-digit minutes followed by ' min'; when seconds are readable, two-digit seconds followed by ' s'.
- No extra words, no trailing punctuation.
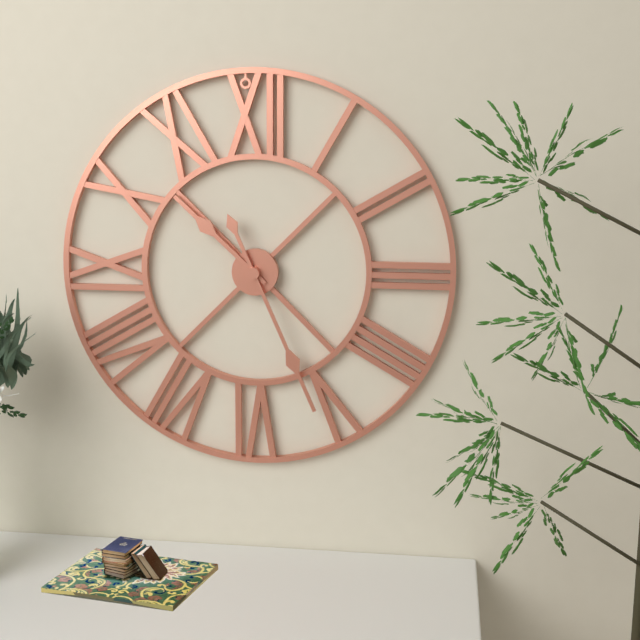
10 h 26 min
